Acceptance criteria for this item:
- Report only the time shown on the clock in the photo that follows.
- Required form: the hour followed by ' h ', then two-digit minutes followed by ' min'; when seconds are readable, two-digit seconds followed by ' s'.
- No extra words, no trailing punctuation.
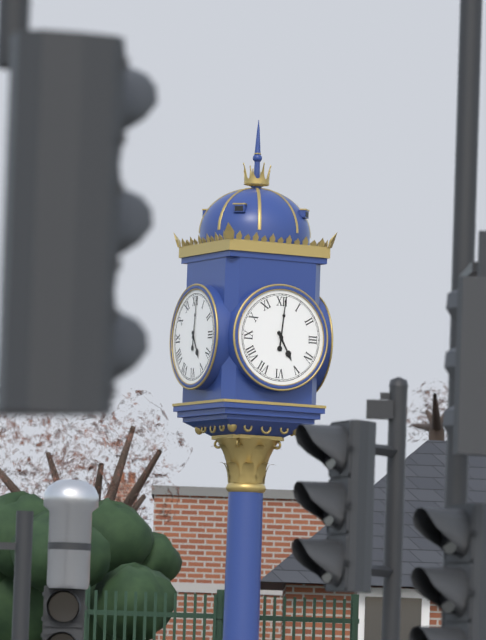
5 h 01 min
